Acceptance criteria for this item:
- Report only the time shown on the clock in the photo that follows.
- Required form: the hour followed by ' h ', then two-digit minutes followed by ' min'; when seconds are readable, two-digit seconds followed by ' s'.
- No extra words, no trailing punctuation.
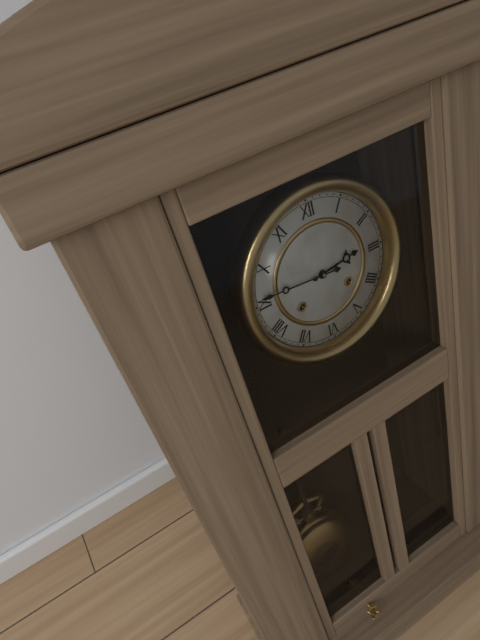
2 h 46 min
